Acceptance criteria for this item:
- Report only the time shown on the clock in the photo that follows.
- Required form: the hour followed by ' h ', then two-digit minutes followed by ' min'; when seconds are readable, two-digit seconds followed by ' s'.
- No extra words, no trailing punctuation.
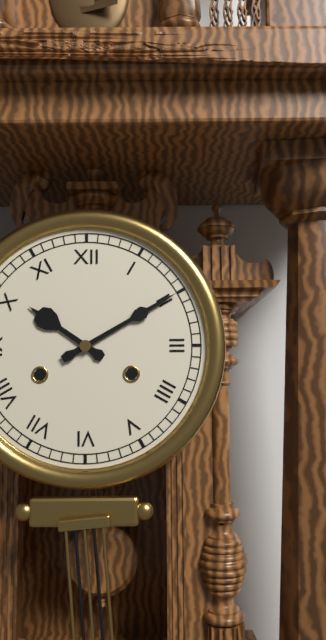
10 h 10 min
